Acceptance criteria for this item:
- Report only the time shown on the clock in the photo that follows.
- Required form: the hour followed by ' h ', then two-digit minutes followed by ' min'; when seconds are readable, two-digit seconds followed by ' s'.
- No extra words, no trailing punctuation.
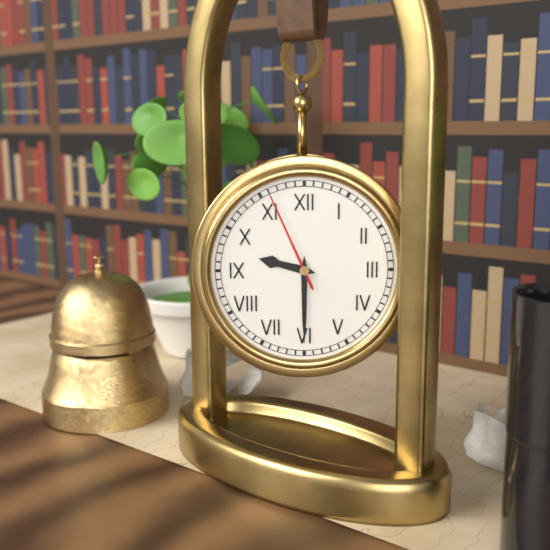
9 h 30 min 56 s
